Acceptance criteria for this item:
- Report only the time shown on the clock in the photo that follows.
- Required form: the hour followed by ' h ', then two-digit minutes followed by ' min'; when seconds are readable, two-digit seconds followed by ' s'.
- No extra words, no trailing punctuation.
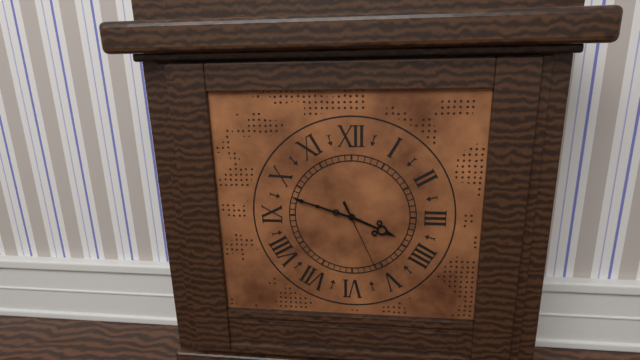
3 h 48 min 26 s
